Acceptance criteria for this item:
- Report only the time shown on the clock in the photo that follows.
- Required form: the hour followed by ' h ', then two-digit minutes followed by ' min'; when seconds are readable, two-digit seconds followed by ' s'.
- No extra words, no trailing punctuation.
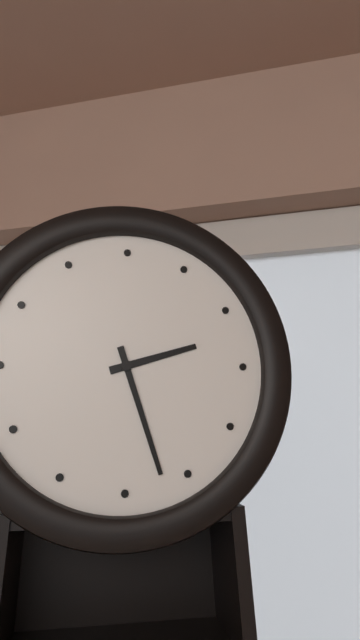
2 h 27 min
